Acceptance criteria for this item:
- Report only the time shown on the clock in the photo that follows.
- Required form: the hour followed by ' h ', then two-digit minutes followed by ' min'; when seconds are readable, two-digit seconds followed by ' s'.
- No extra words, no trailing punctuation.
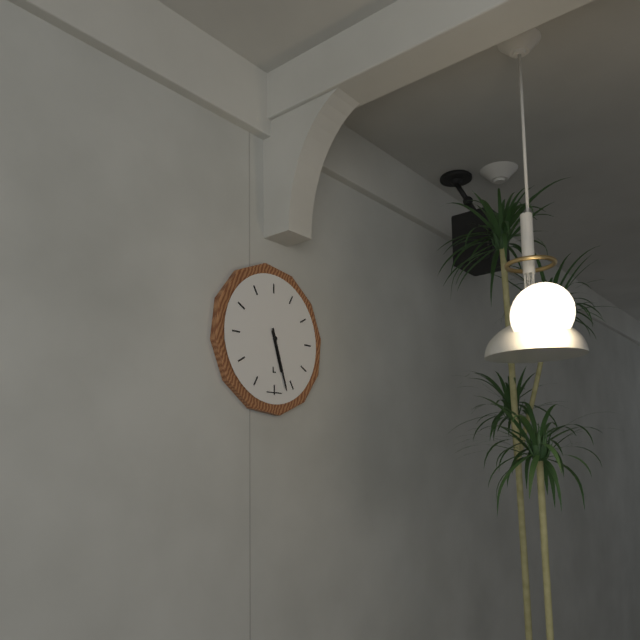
5 h 27 min
